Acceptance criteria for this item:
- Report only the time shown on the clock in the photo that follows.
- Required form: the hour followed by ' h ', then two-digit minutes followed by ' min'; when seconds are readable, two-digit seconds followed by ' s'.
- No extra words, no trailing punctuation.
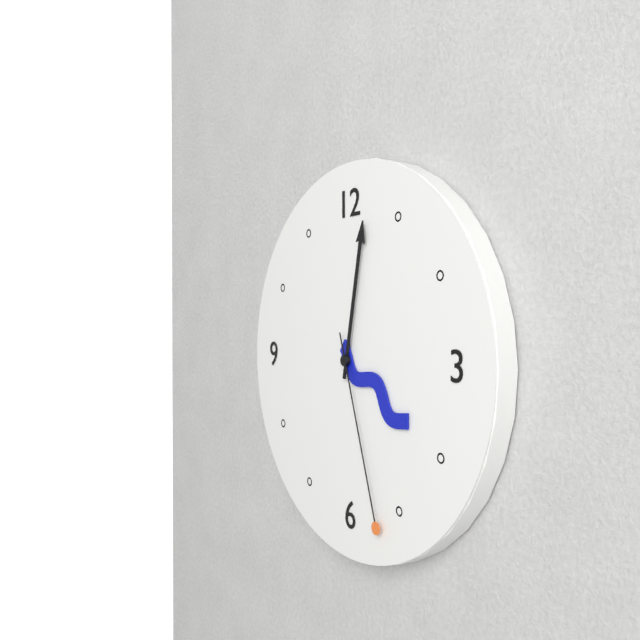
4 h 02 min 27 s
